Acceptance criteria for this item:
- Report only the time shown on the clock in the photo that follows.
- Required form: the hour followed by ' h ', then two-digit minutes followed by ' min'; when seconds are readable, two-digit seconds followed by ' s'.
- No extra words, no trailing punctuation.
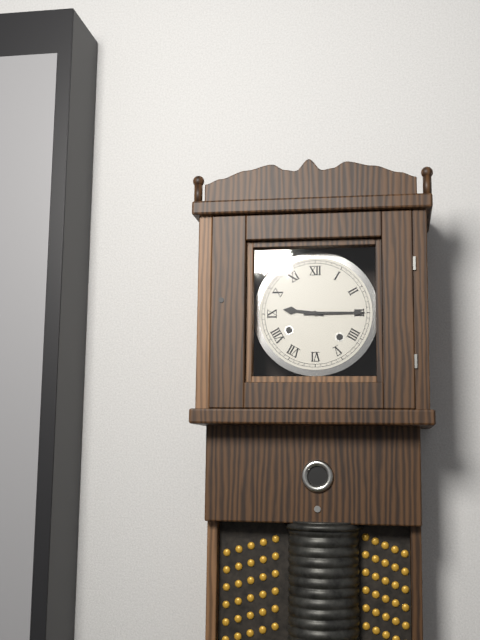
9 h 15 min
